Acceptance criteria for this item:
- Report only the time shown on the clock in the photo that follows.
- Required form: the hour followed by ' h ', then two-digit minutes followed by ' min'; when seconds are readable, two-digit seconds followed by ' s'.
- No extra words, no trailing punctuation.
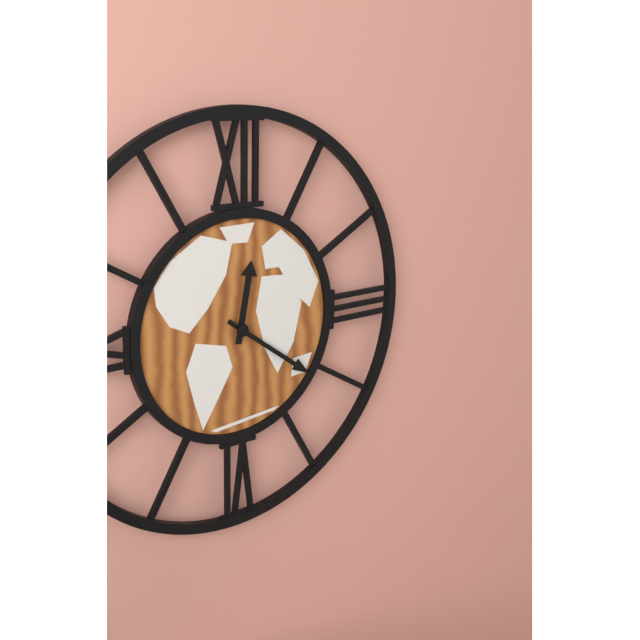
12 h 21 min
